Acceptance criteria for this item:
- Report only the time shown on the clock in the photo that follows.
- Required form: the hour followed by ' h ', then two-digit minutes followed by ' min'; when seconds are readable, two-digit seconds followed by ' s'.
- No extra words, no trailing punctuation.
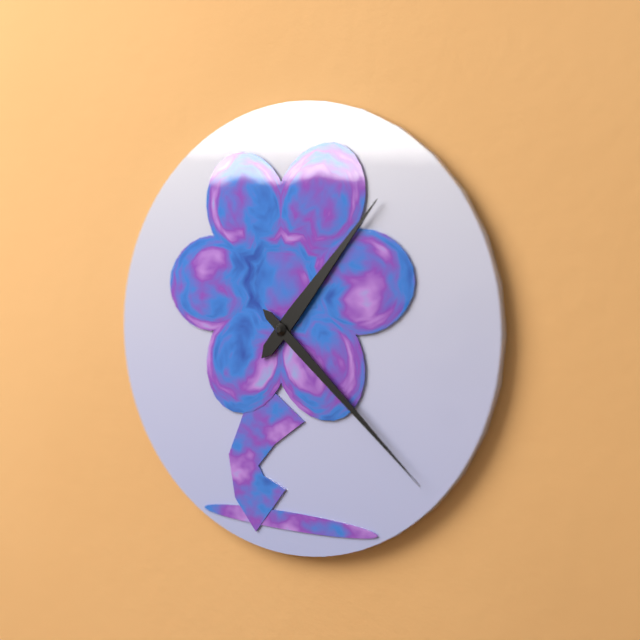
1 h 22 min
